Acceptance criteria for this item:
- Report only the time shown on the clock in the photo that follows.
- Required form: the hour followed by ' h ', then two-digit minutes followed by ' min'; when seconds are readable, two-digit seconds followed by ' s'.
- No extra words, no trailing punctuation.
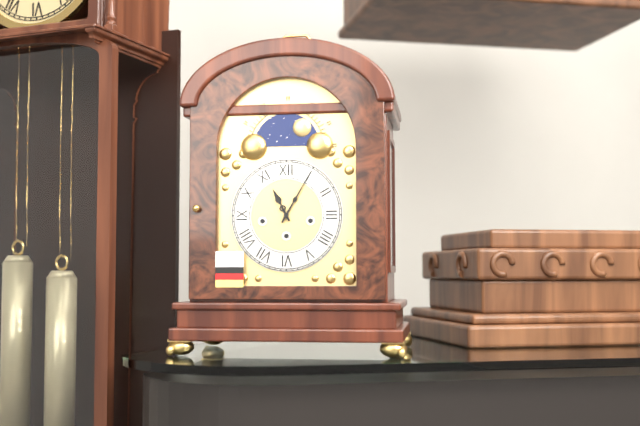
11 h 05 min
